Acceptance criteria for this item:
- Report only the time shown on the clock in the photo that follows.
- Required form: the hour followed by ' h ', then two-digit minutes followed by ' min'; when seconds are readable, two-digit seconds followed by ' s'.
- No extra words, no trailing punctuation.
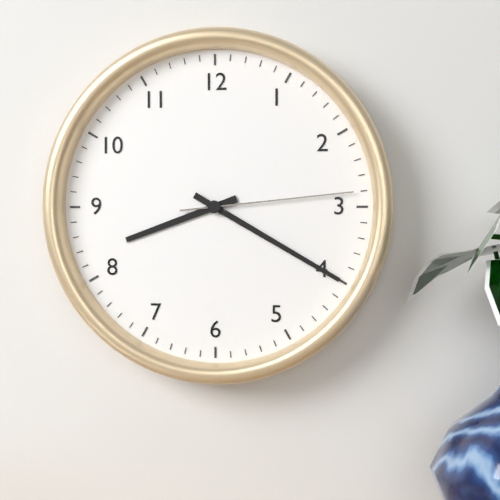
8 h 20 min 14 s
